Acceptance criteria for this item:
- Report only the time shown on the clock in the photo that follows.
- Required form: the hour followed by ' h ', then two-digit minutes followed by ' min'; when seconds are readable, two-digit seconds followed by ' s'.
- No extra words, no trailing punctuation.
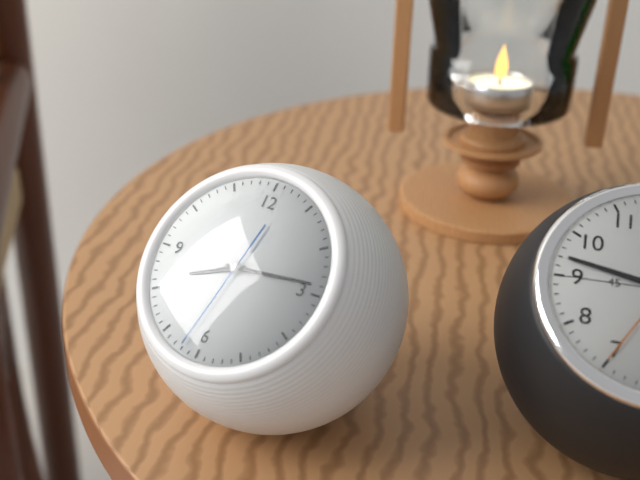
8 h 14 min 32 s
